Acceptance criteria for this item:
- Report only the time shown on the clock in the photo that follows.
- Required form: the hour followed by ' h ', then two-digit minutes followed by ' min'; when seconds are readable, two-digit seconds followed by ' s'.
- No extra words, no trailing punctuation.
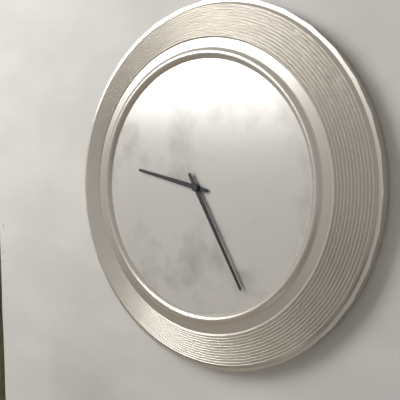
9 h 25 min
